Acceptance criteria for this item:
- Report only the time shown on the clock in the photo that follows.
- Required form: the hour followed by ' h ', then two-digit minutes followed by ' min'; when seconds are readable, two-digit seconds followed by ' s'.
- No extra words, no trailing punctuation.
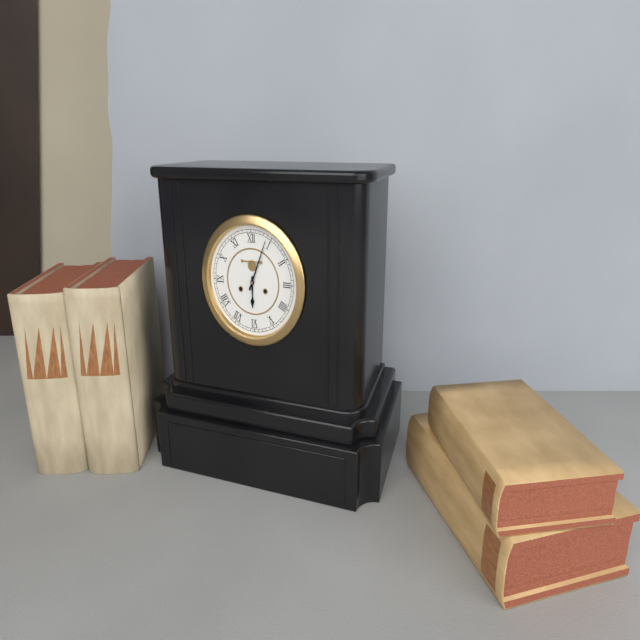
6 h 04 min
